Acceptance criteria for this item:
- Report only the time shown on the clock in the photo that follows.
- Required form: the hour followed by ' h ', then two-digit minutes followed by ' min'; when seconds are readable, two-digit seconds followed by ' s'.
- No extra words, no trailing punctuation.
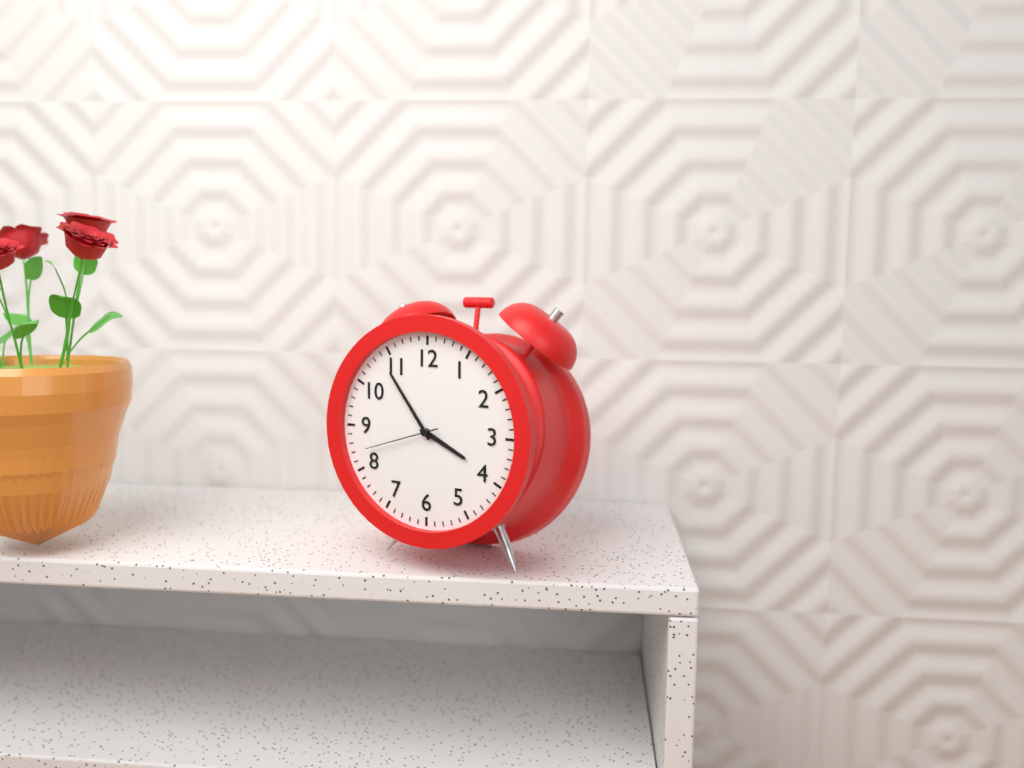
3 h 54 min 42 s
